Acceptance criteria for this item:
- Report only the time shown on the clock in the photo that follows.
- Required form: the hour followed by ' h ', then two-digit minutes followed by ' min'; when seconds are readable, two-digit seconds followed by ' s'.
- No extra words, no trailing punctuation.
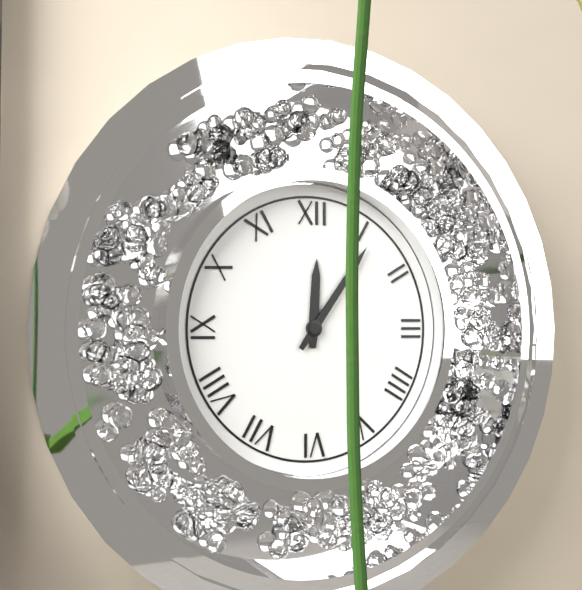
12 h 06 min
